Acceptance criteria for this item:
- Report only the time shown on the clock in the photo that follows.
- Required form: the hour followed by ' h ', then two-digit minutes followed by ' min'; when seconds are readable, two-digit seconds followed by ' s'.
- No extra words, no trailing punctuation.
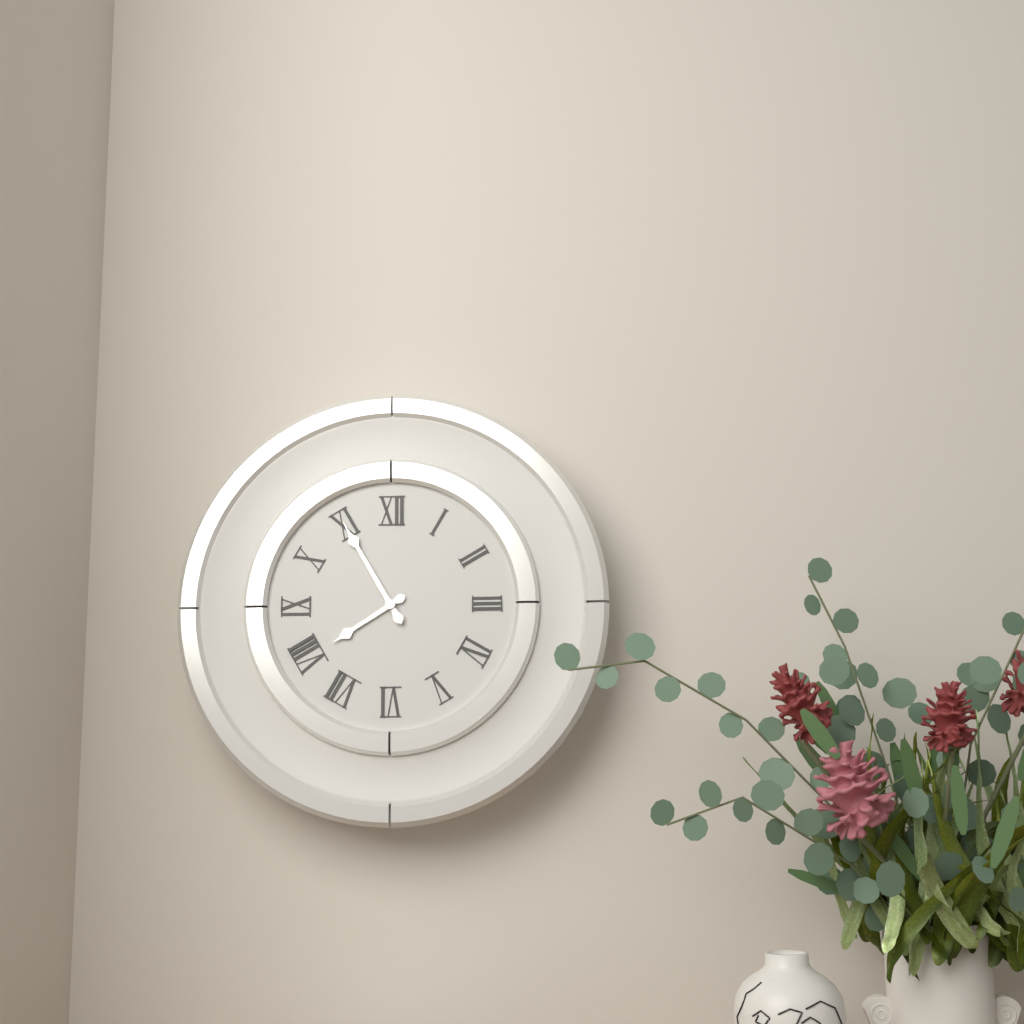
7 h 55 min
